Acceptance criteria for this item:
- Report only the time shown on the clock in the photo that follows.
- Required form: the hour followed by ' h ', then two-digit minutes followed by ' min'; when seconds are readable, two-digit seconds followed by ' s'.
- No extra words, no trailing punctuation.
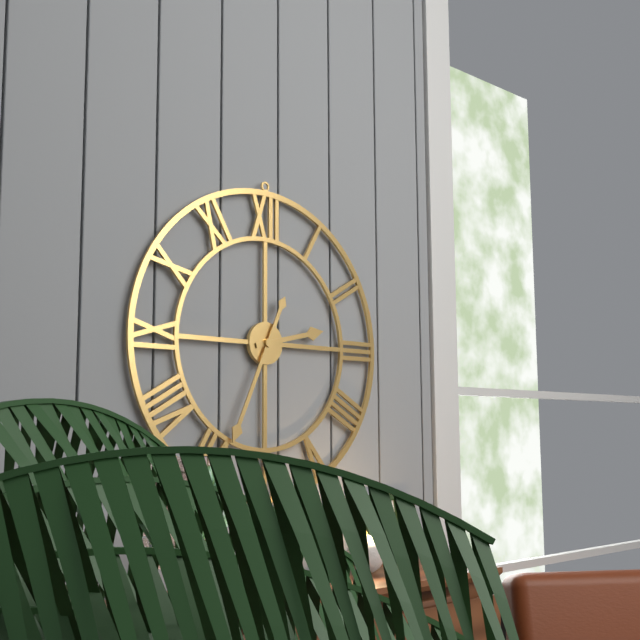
2 h 34 min
